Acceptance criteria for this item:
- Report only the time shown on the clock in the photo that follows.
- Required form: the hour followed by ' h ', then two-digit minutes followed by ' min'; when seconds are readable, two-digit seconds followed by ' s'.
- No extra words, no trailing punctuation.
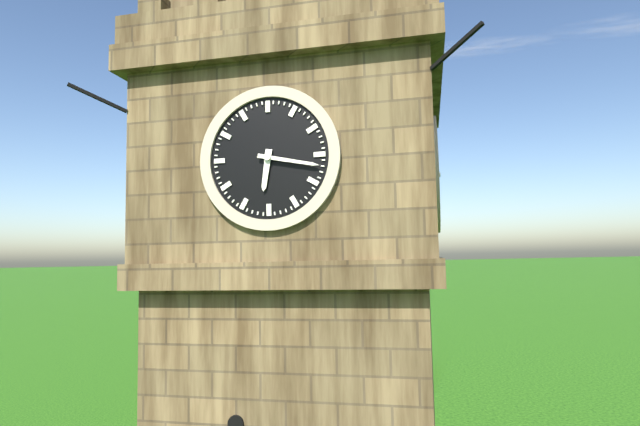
6 h 17 min
